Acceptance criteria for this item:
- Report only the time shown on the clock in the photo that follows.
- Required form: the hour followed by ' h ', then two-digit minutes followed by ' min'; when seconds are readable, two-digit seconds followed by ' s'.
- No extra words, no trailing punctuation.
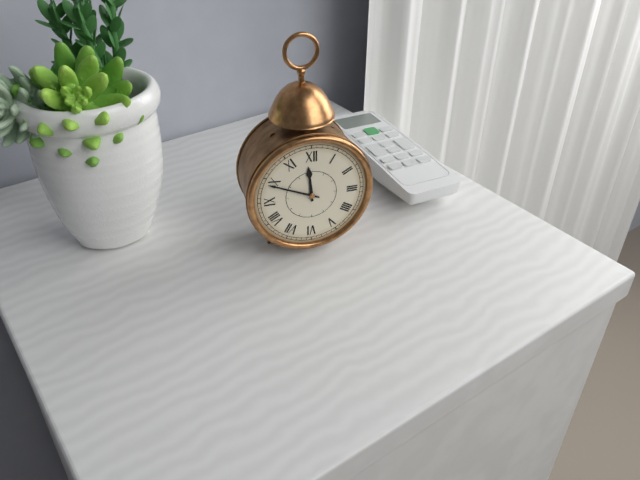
11 h 49 min
